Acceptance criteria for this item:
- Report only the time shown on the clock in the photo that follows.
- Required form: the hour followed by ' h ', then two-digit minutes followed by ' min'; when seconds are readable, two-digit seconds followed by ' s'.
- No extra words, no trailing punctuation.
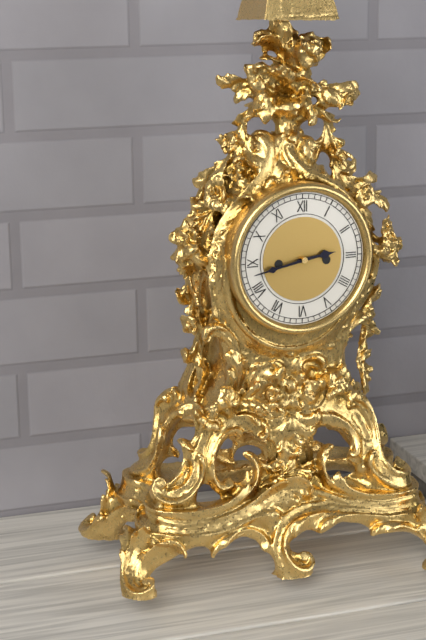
2 h 43 min
